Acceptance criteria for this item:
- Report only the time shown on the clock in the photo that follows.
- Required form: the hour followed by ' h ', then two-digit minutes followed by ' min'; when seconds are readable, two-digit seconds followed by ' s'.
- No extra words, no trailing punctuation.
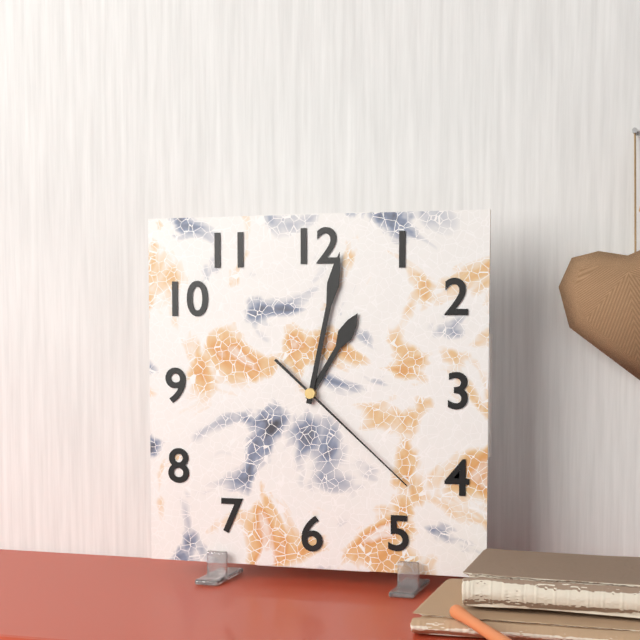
1 h 02 min 22 s
